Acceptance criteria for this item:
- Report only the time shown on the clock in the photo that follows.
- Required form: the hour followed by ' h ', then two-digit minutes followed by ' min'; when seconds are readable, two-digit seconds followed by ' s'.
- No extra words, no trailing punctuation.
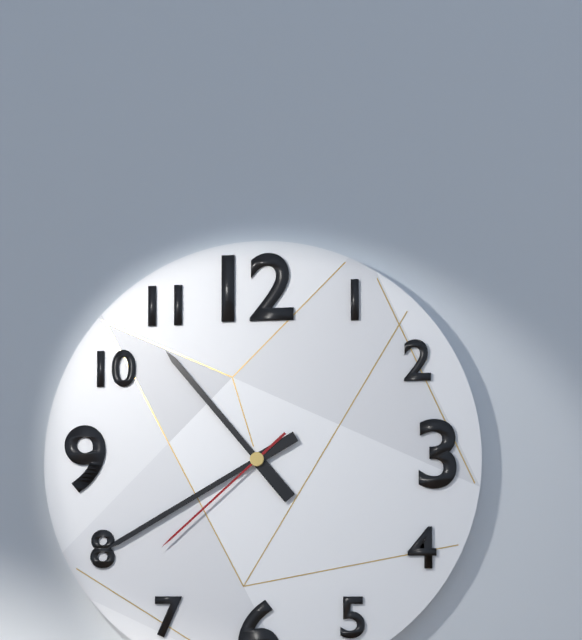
10 h 40 min 38 s
